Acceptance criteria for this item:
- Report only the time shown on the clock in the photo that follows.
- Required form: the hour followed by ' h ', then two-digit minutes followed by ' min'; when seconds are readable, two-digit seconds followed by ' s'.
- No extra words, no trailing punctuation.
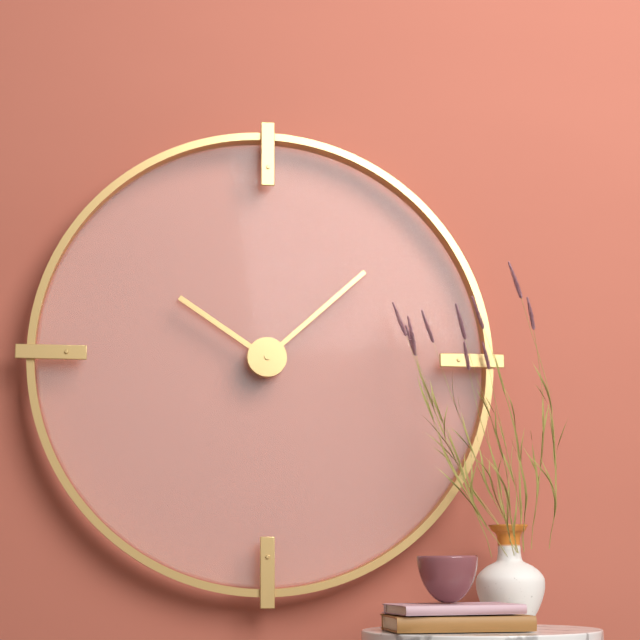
10 h 08 min
